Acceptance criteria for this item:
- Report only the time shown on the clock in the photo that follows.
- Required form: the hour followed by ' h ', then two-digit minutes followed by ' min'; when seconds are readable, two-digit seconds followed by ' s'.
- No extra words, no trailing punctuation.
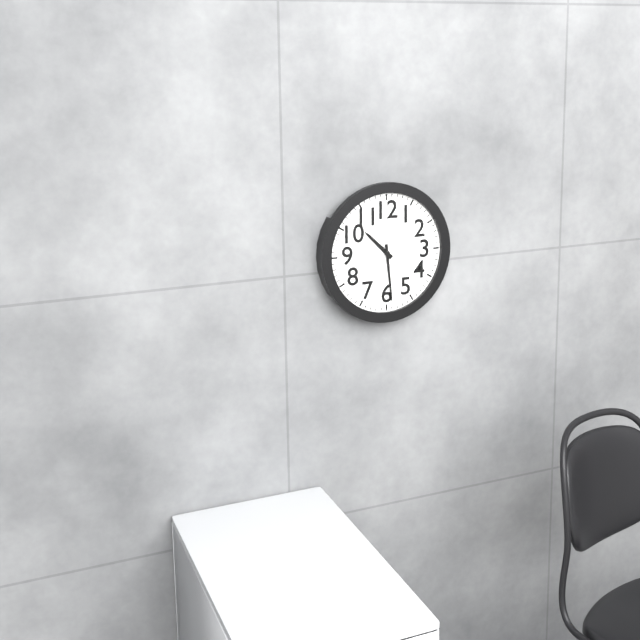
10 h 29 min
